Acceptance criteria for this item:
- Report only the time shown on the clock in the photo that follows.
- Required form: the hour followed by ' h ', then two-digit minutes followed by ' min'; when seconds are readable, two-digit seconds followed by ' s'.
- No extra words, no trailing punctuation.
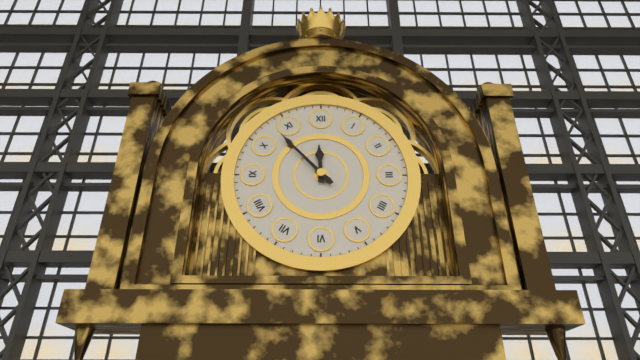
11 h 53 min
